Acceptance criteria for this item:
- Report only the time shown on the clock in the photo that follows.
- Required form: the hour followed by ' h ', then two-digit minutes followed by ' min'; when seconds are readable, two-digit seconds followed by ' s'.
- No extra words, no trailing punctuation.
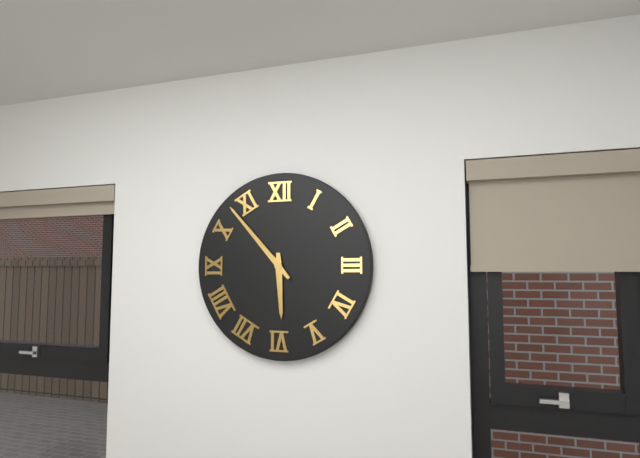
5 h 53 min
